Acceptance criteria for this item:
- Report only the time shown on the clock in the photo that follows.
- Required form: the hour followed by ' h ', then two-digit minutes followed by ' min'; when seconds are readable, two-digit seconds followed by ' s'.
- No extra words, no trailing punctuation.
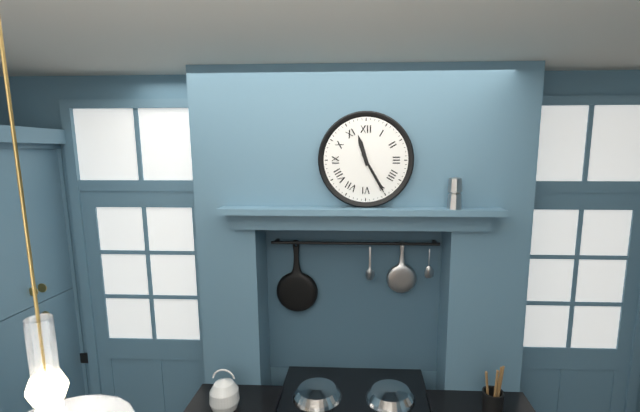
11 h 25 min
